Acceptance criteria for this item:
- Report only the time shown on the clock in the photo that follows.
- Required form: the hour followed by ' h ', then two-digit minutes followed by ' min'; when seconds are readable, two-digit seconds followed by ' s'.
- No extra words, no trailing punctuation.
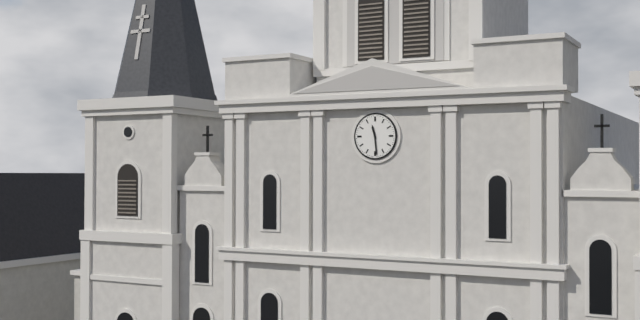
11 h 29 min
